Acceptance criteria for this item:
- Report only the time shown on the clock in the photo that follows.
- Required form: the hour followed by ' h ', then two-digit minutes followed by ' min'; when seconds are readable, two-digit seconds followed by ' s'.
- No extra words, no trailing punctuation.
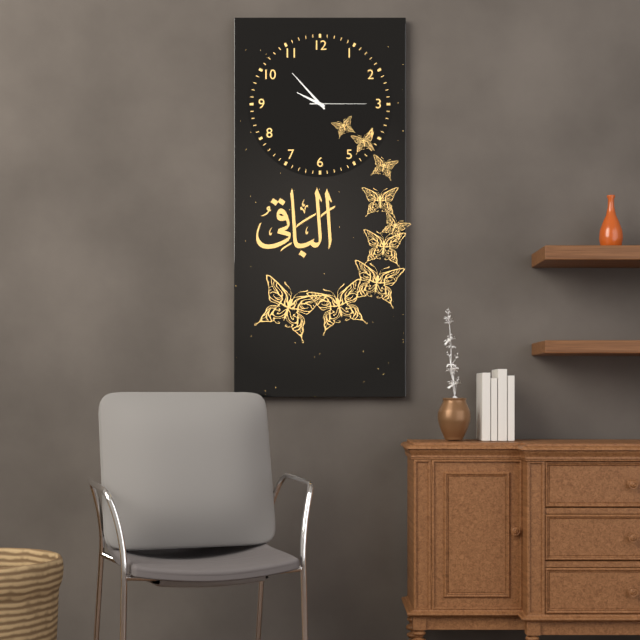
9 h 53 min 15 s
